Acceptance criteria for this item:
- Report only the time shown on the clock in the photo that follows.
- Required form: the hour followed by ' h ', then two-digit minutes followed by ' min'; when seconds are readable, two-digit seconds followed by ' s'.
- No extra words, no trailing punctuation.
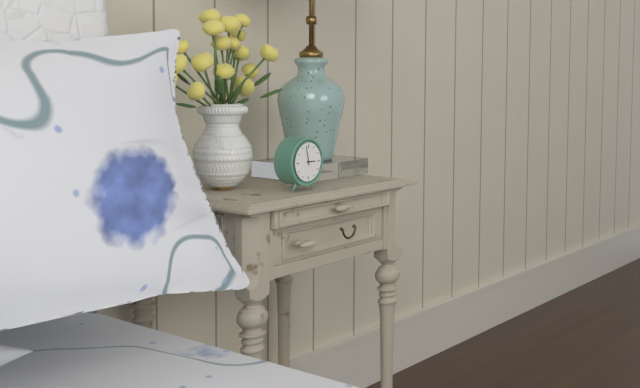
2 h 58 min
